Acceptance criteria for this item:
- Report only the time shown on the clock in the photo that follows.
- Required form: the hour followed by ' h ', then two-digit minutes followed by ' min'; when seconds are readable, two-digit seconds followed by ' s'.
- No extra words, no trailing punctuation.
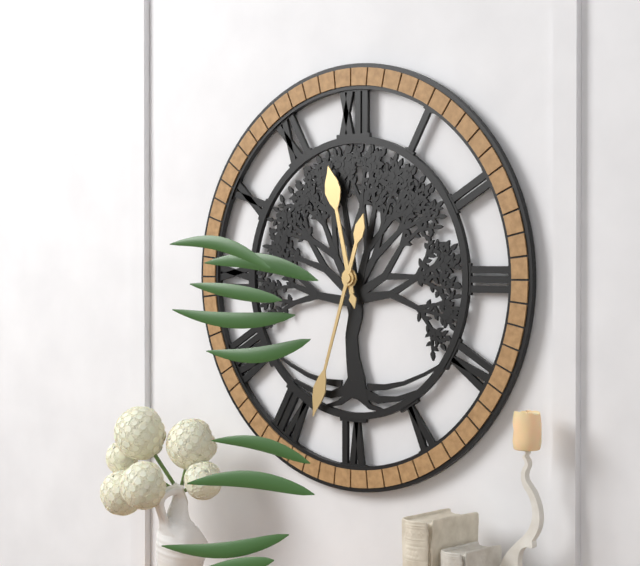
11 h 33 min
